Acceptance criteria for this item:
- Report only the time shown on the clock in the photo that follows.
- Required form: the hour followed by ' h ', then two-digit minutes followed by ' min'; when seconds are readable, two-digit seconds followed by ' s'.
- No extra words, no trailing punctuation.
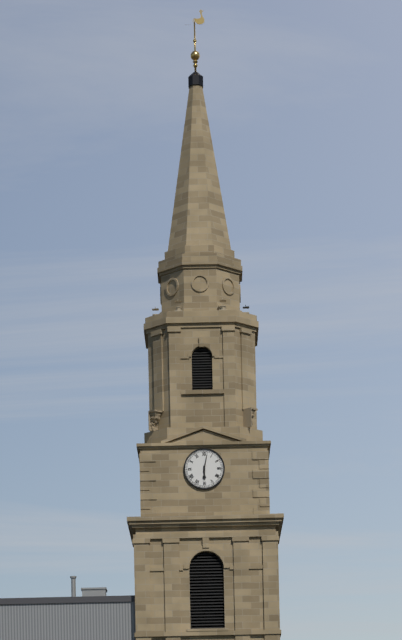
6 h 02 min
